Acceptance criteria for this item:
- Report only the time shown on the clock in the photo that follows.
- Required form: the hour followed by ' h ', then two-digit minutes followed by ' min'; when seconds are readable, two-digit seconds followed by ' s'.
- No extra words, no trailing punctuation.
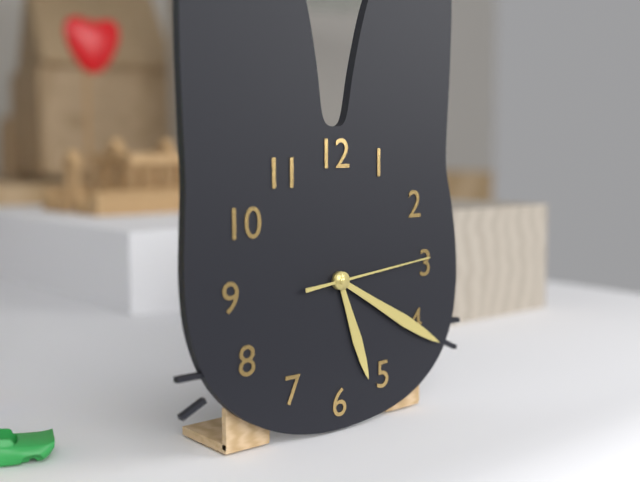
5 h 20 min 14 s
